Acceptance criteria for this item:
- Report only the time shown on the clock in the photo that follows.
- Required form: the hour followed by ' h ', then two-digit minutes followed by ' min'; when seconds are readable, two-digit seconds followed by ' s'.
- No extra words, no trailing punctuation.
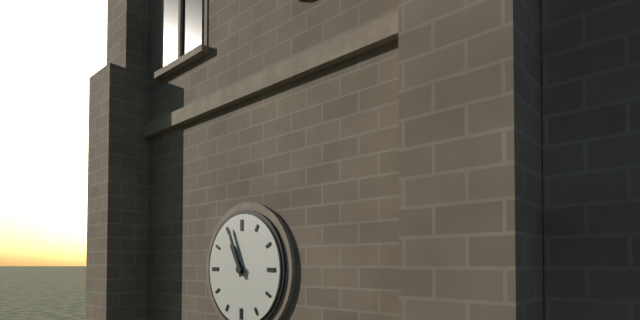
10 h 56 min
